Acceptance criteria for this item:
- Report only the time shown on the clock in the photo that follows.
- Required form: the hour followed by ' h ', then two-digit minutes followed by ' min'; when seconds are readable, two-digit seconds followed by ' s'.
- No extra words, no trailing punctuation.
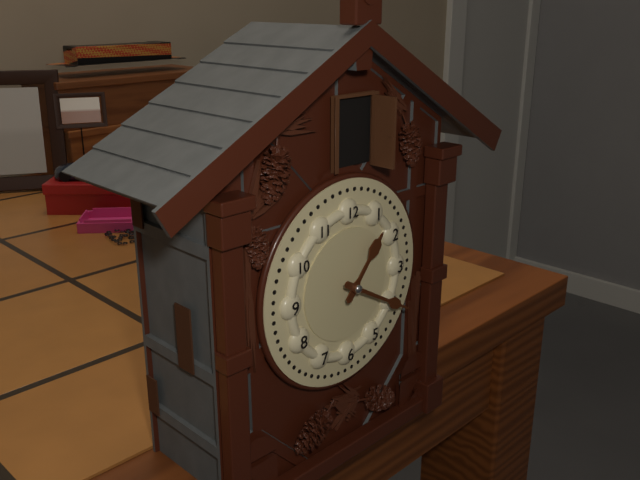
1 h 20 min
